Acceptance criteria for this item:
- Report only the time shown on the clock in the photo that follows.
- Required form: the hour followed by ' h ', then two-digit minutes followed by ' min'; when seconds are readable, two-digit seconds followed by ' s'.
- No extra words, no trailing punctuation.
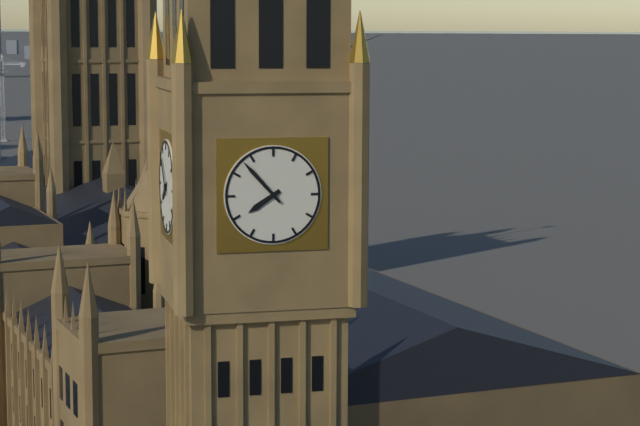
7 h 53 min
